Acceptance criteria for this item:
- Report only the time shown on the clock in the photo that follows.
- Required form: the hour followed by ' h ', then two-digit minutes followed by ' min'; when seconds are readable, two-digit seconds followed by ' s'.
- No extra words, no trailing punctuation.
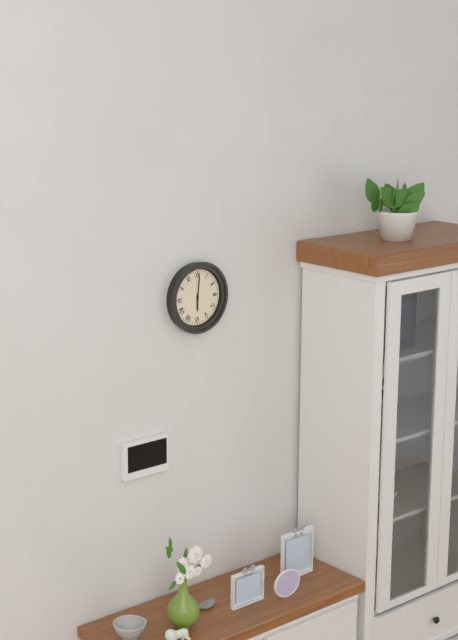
6 h 01 min
